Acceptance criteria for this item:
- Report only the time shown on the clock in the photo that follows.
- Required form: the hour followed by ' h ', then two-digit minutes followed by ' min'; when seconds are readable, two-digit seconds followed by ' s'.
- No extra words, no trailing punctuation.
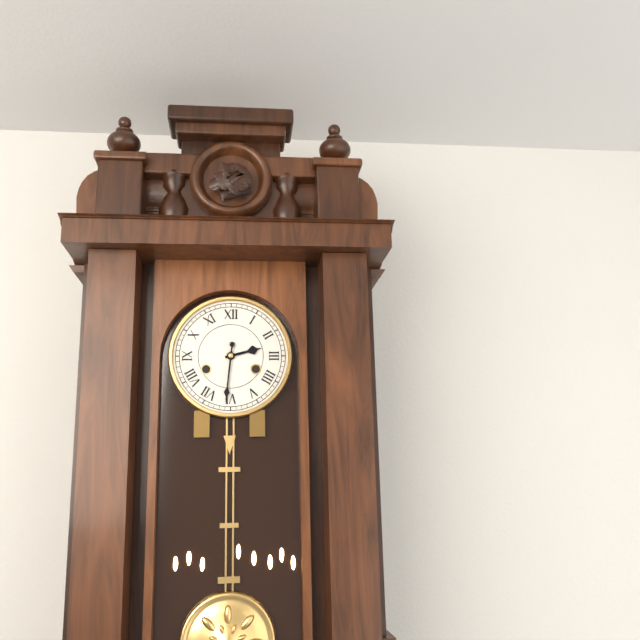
2 h 31 min
